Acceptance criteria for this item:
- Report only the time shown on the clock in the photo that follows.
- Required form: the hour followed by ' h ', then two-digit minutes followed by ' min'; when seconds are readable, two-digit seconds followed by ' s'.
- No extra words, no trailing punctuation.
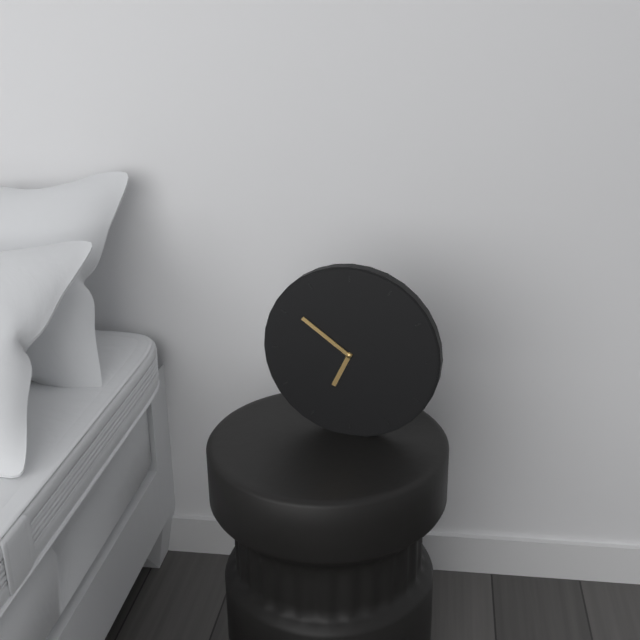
6 h 51 min
